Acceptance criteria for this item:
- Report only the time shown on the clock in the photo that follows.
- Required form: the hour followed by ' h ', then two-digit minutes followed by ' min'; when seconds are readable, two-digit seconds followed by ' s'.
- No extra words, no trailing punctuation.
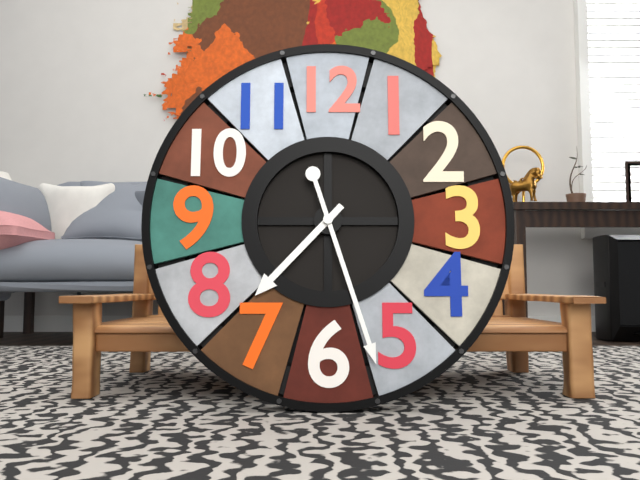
7 h 27 min
